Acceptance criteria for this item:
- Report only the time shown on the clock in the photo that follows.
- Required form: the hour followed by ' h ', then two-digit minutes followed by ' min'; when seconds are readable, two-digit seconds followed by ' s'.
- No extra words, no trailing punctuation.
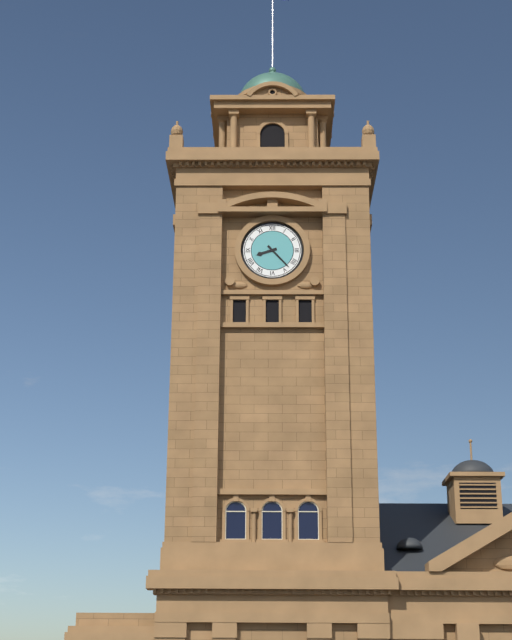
8 h 23 min
